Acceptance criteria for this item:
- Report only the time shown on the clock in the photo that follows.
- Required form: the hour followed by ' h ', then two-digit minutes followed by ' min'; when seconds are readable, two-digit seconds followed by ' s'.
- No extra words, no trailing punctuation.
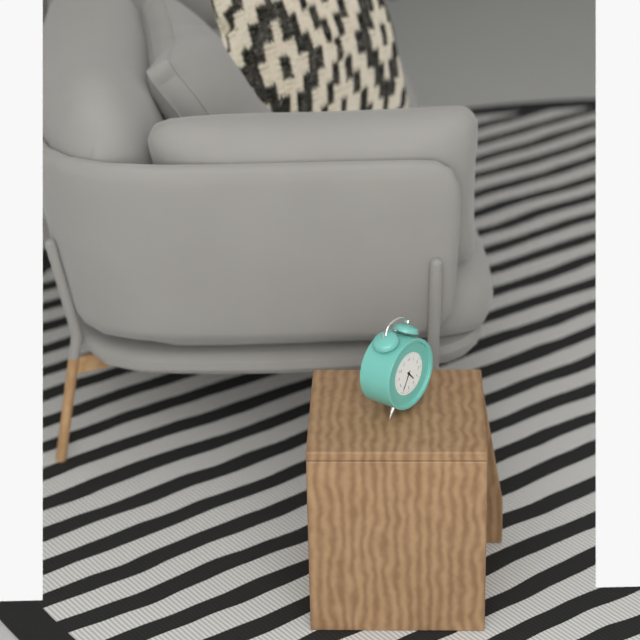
4 h 35 min
